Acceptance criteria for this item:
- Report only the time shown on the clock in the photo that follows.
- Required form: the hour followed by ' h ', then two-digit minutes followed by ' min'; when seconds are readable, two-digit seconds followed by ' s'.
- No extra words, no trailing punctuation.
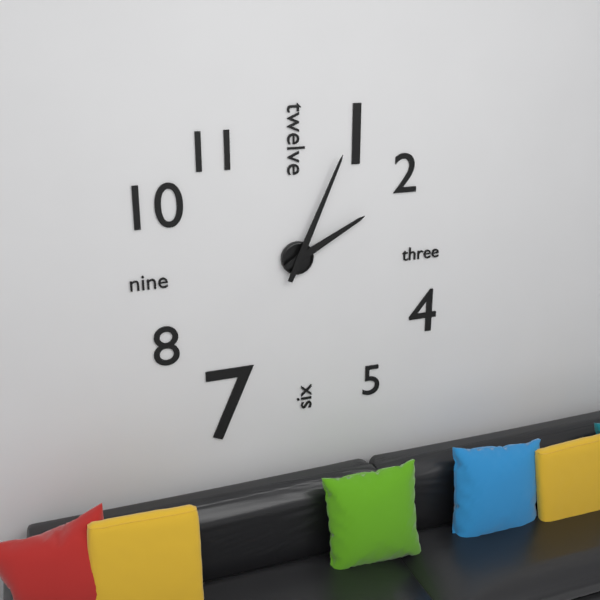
2 h 04 min
